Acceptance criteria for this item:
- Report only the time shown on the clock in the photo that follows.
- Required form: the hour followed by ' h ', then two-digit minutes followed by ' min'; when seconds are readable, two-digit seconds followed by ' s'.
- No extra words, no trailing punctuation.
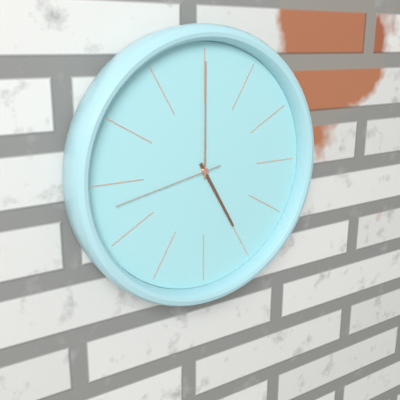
5 h 00 min 43 s
